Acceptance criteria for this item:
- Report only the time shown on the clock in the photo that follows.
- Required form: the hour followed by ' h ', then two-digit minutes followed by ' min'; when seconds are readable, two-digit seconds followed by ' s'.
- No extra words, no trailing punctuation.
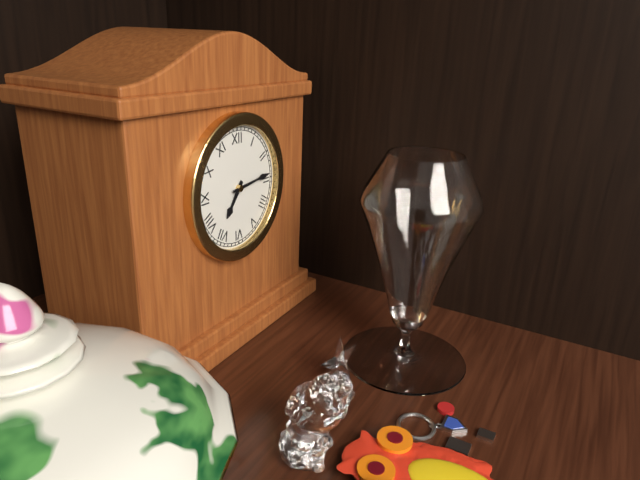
7 h 14 min
